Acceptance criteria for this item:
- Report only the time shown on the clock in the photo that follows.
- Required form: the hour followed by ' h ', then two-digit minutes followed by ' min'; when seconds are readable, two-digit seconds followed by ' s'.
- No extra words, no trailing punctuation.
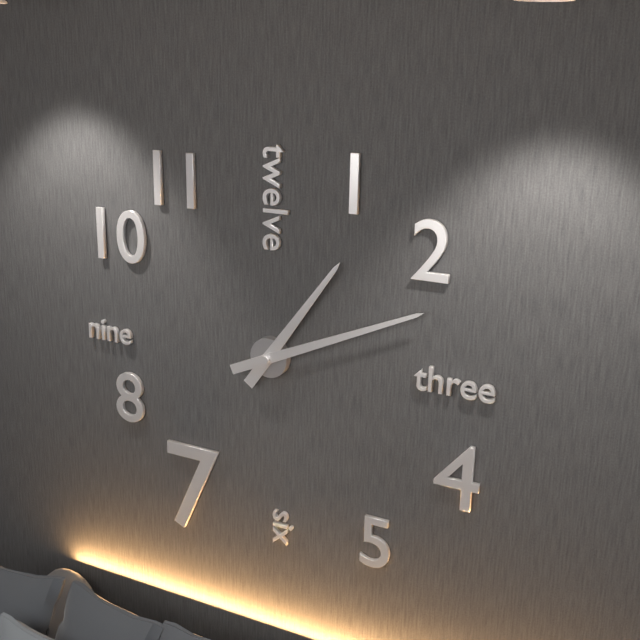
1 h 11 min
